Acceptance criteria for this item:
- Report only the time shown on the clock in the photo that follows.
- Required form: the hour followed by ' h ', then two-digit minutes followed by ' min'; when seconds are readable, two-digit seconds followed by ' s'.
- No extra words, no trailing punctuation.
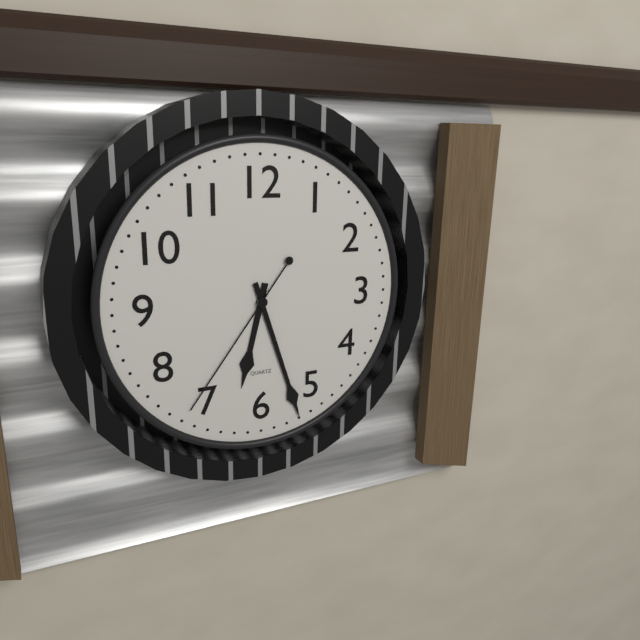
6 h 27 min 36 s
